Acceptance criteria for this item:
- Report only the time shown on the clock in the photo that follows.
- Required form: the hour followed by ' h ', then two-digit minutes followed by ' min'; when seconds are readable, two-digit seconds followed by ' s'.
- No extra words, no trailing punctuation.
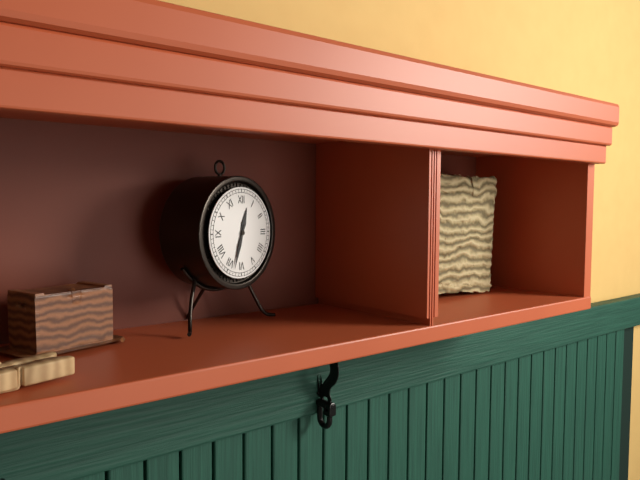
12 h 33 min
